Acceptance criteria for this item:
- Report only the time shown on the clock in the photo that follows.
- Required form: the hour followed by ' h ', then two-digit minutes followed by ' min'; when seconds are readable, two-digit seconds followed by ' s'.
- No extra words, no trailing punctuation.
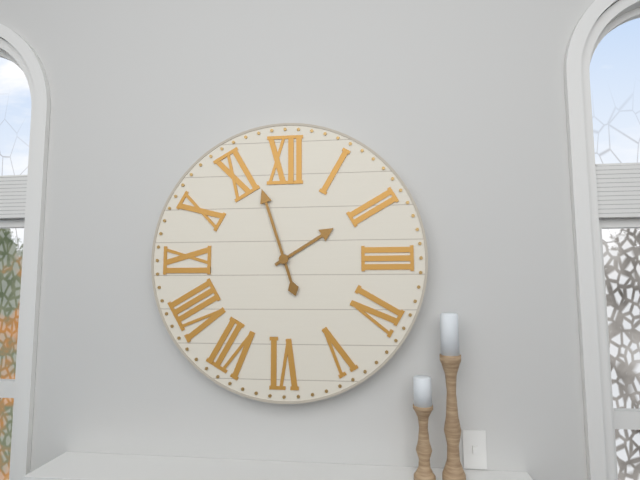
1 h 57 min
